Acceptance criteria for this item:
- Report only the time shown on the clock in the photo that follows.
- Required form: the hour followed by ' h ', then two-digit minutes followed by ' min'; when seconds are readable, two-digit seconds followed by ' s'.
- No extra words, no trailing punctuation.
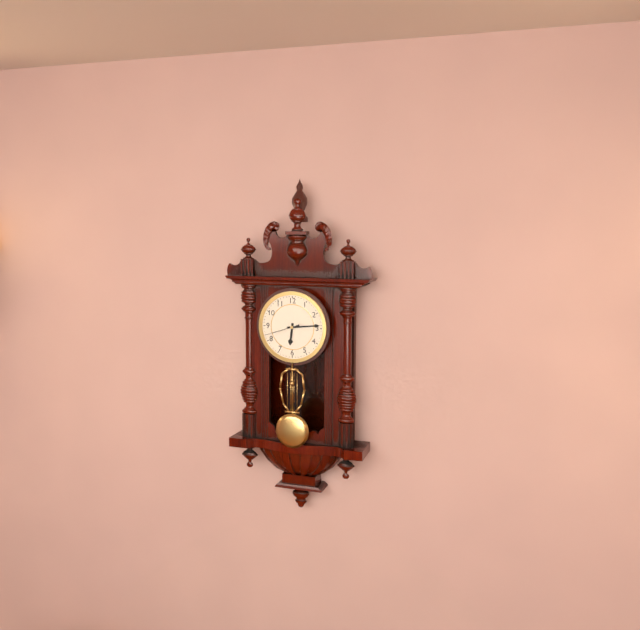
6 h 14 min
